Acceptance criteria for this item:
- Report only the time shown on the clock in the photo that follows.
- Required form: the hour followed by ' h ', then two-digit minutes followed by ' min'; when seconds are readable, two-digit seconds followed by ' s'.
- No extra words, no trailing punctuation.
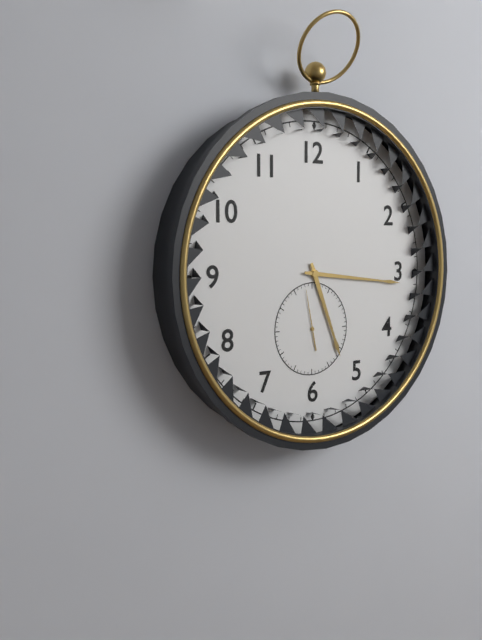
5 h 16 min 58 s
